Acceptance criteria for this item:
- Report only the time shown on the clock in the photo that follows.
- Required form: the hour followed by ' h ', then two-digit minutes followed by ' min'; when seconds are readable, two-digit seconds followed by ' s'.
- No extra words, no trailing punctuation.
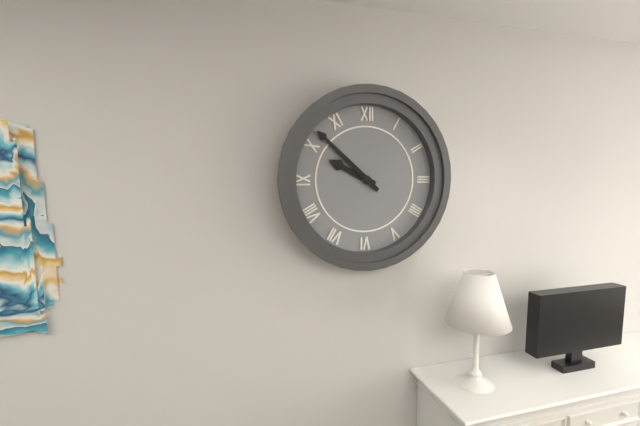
9 h 52 min
